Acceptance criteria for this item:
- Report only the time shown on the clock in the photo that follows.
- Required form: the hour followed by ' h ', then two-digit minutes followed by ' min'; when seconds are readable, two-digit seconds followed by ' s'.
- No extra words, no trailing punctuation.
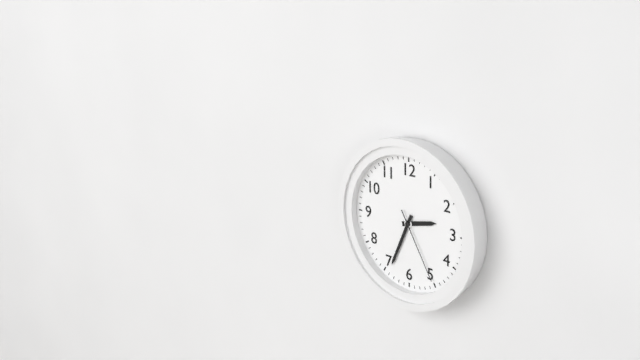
2 h 34 min 25 s
